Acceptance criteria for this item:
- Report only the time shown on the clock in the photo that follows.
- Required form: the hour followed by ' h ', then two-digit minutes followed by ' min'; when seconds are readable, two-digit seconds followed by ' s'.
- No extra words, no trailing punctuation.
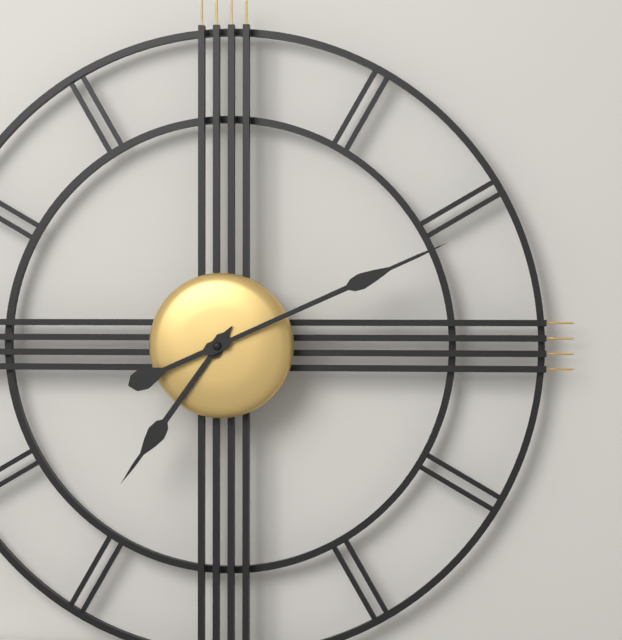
7 h 11 min
